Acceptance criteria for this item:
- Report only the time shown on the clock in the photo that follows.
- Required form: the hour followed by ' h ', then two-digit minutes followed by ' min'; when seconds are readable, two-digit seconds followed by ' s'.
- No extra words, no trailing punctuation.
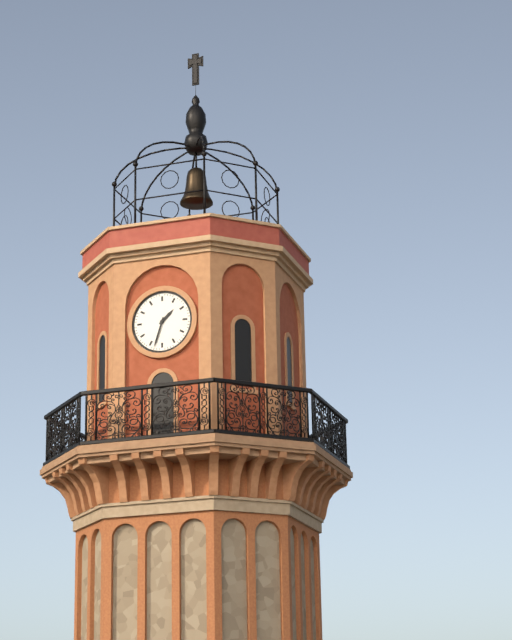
1 h 33 min
